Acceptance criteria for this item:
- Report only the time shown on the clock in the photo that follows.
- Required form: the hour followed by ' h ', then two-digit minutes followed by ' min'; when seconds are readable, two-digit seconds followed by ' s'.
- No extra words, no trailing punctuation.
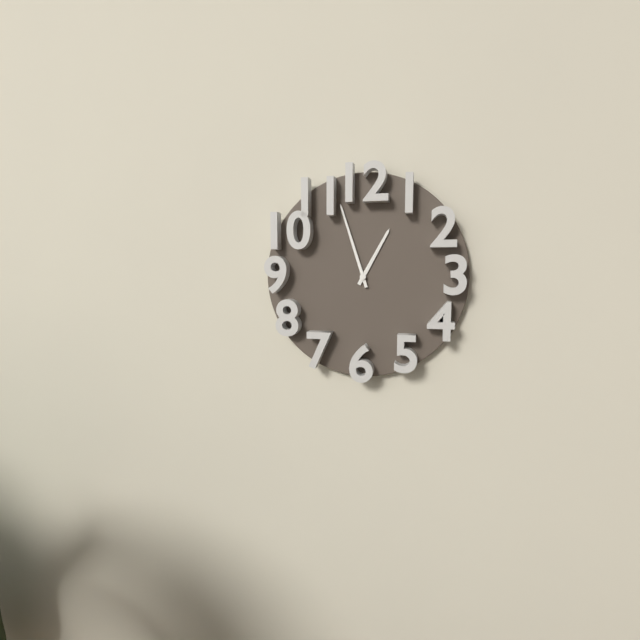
12 h 57 min
